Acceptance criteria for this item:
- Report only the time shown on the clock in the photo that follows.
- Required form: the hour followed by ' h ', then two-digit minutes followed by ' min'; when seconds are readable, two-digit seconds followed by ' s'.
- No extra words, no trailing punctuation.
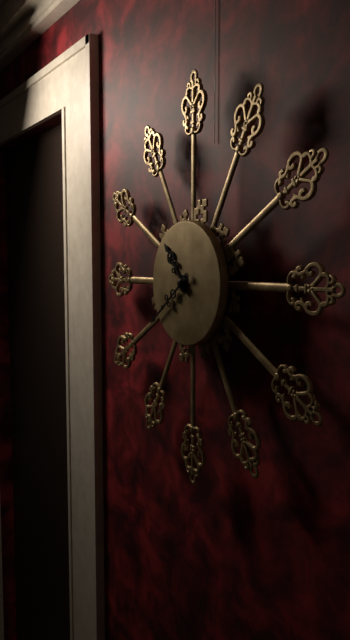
10 h 39 min
